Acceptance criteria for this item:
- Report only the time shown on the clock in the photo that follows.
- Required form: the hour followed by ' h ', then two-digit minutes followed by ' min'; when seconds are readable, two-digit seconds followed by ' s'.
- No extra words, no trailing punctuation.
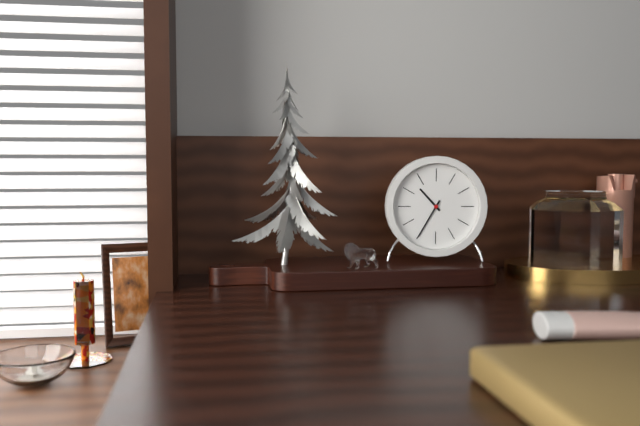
10 h 35 min
